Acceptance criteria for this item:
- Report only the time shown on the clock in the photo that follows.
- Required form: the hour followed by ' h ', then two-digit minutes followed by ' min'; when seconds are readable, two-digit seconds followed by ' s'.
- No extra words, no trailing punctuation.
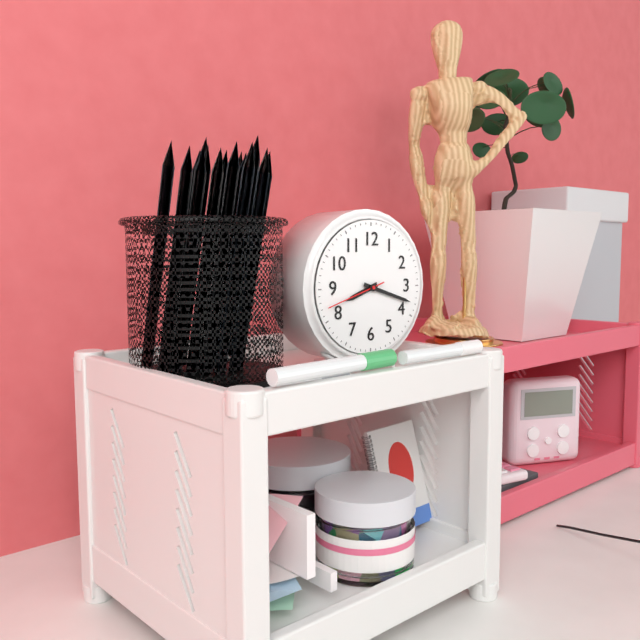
8 h 18 min 42 s
